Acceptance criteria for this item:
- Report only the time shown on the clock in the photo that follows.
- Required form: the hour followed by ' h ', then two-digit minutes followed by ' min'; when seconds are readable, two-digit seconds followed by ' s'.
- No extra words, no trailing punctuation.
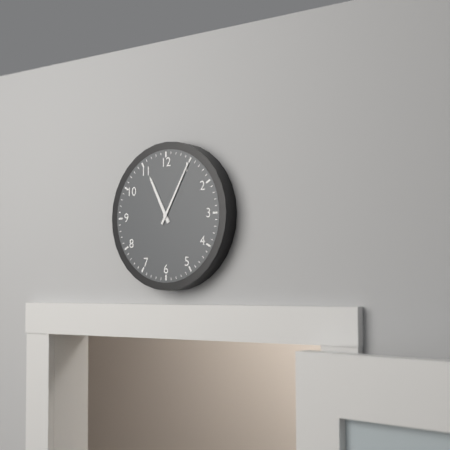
11 h 05 min
